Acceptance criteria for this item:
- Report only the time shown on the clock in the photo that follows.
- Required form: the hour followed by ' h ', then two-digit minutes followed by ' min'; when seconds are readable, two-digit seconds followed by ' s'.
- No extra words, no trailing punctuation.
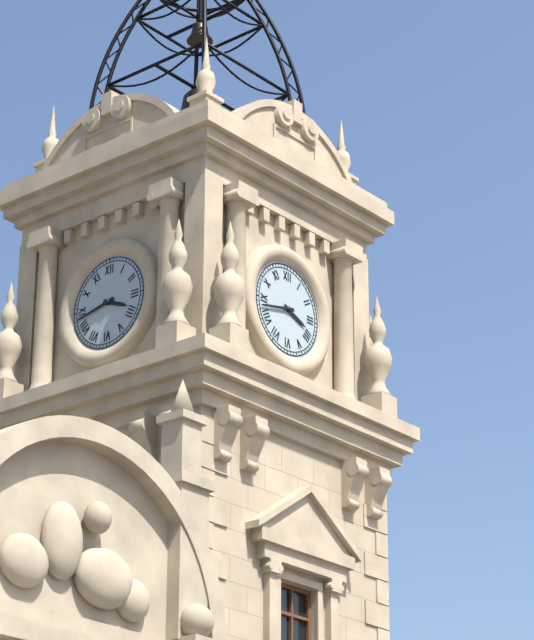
3 h 43 min
